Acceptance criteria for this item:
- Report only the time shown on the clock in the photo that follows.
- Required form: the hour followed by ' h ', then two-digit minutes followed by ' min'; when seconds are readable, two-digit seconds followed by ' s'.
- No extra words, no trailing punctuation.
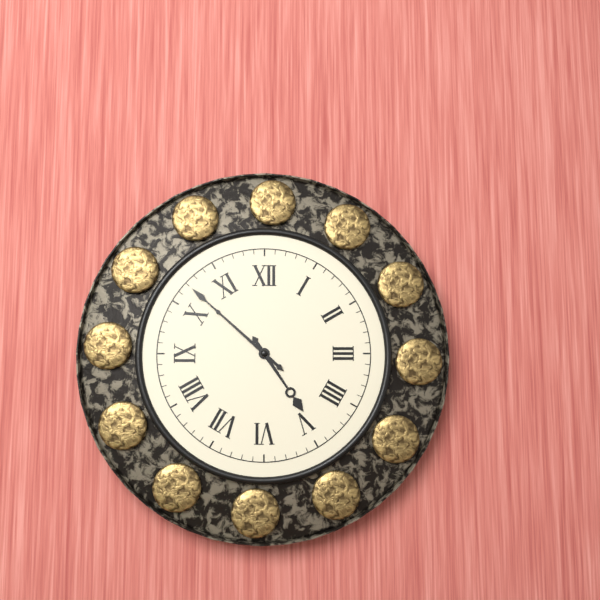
4 h 52 min
